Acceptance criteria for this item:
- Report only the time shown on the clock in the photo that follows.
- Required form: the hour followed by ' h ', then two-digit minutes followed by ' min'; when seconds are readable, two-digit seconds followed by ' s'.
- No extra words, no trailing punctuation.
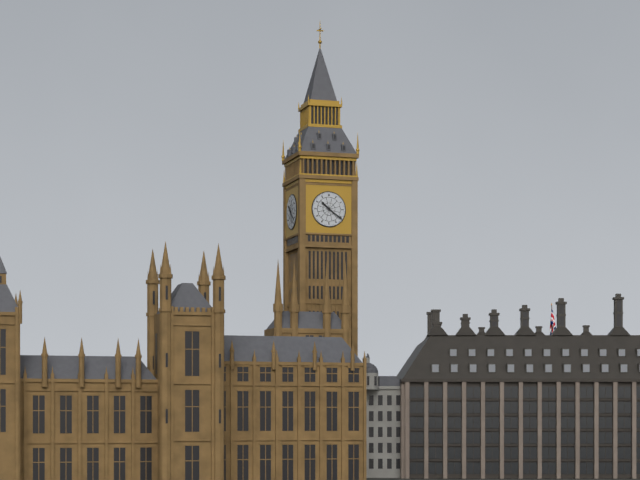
10 h 21 min
